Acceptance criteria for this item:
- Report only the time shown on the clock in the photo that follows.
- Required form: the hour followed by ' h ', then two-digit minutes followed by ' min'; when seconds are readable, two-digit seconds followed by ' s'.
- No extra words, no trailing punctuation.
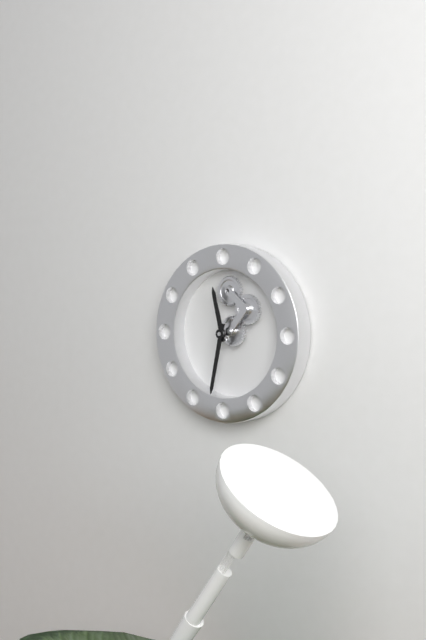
11 h 32 min
